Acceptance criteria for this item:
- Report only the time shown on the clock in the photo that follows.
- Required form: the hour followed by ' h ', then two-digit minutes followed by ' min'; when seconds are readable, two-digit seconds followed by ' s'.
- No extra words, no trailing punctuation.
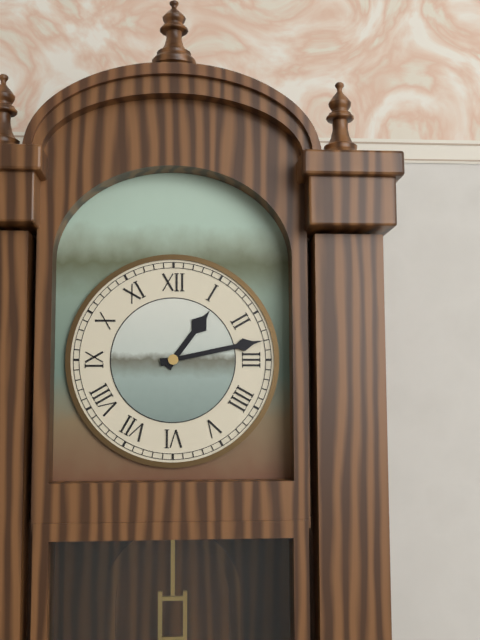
1 h 13 min
